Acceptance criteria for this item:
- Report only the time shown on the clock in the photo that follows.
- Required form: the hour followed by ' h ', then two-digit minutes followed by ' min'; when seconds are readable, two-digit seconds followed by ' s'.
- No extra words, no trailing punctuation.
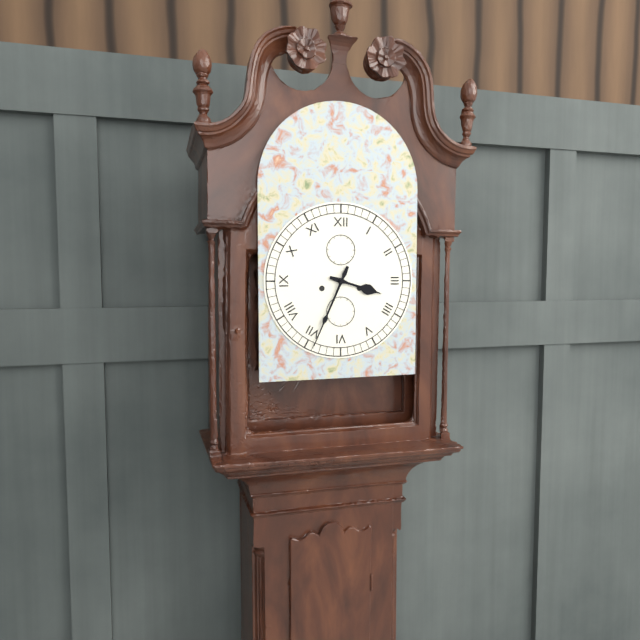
3 h 34 min
